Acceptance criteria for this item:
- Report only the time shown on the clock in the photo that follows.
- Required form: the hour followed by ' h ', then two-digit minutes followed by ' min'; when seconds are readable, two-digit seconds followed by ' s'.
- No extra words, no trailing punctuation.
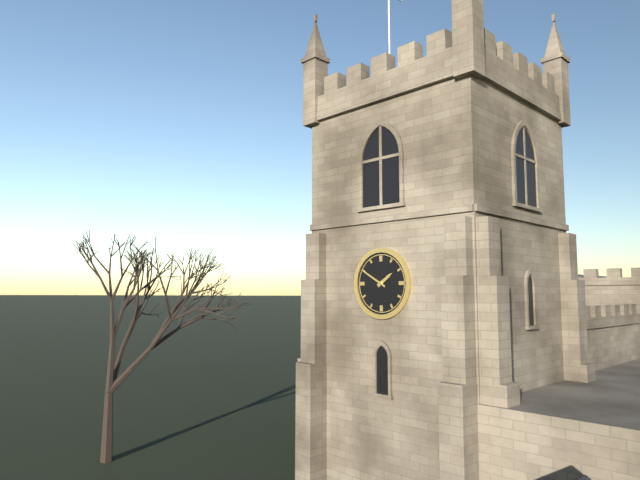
1 h 50 min
